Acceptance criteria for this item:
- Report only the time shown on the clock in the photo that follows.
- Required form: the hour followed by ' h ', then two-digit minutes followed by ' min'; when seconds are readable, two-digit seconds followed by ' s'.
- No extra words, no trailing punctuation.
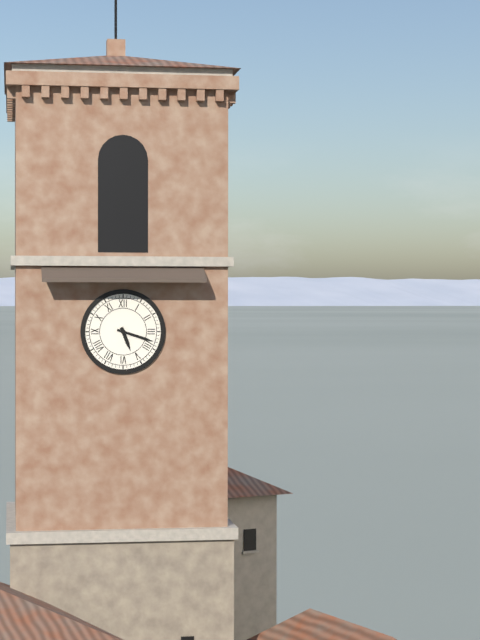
5 h 18 min
